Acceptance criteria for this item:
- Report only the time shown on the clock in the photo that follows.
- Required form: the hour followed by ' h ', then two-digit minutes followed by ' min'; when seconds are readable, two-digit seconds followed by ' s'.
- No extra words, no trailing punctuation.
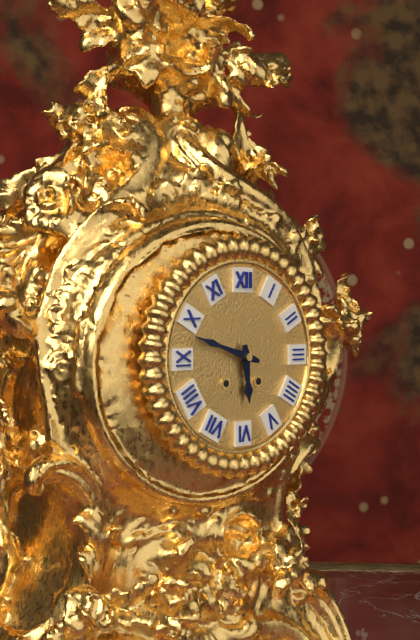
5 h 48 min
